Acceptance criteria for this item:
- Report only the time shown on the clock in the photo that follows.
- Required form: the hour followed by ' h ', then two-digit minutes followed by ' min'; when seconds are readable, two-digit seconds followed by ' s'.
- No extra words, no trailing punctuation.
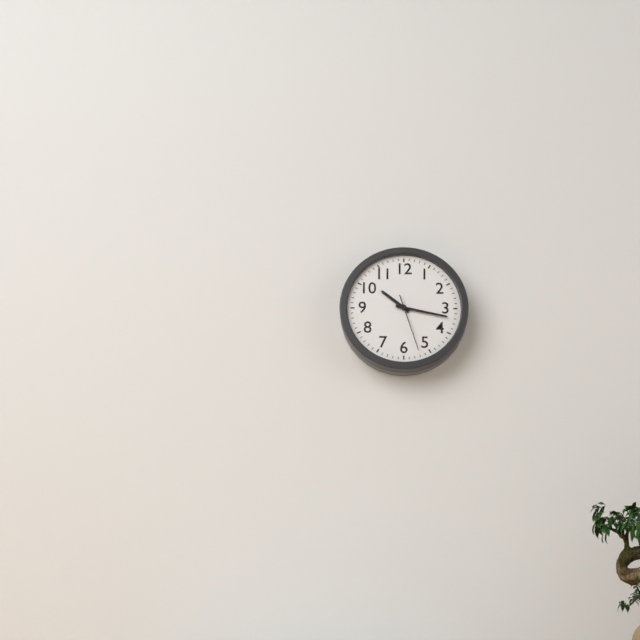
10 h 17 min
